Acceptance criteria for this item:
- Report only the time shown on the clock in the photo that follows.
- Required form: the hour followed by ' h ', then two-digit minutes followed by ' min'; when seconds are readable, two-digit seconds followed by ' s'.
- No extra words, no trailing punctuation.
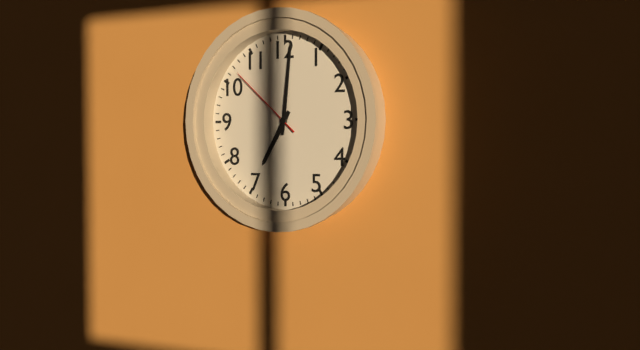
7 h 01 min 52 s
